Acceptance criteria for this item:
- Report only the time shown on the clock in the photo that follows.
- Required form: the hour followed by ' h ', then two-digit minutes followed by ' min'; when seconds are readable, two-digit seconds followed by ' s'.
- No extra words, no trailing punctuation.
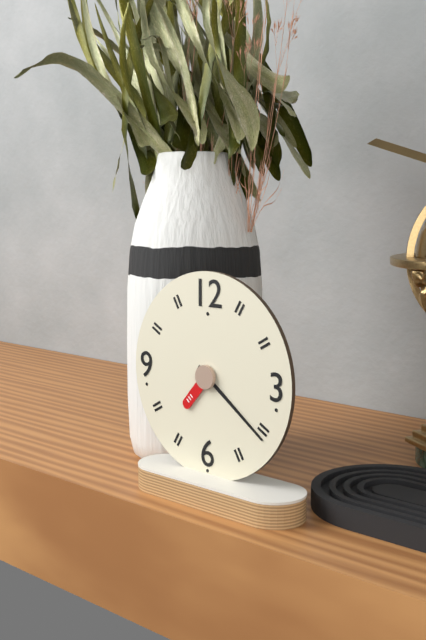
7 h 21 min
